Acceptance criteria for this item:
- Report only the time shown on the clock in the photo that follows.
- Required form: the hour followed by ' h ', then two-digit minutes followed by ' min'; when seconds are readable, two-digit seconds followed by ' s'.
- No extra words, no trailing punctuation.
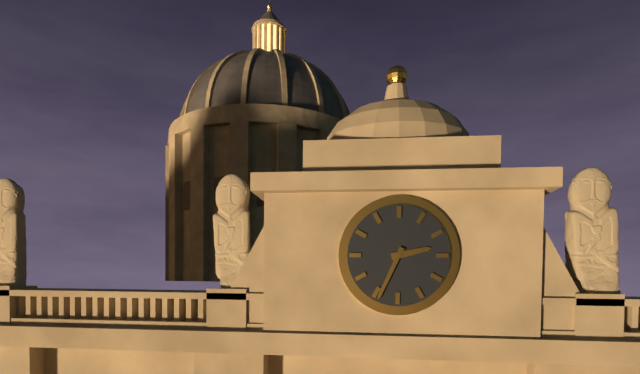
2 h 34 min
